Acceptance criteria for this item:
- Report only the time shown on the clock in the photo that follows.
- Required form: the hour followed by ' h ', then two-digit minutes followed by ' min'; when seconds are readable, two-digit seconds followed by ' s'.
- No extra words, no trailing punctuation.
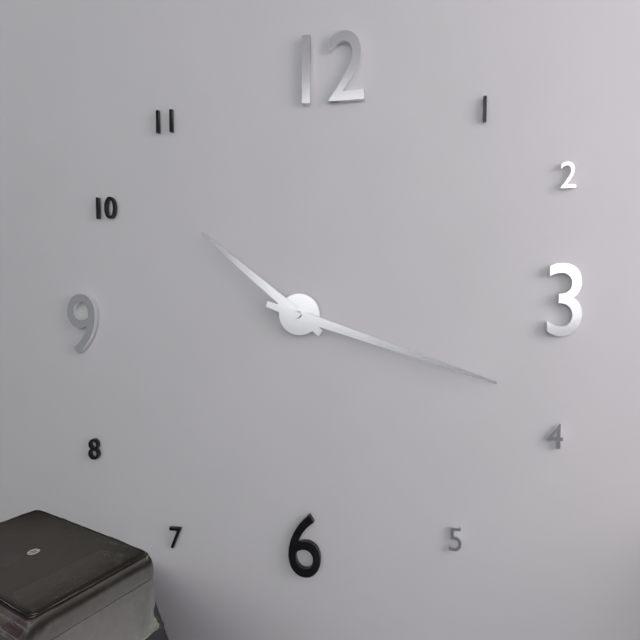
10 h 18 min
